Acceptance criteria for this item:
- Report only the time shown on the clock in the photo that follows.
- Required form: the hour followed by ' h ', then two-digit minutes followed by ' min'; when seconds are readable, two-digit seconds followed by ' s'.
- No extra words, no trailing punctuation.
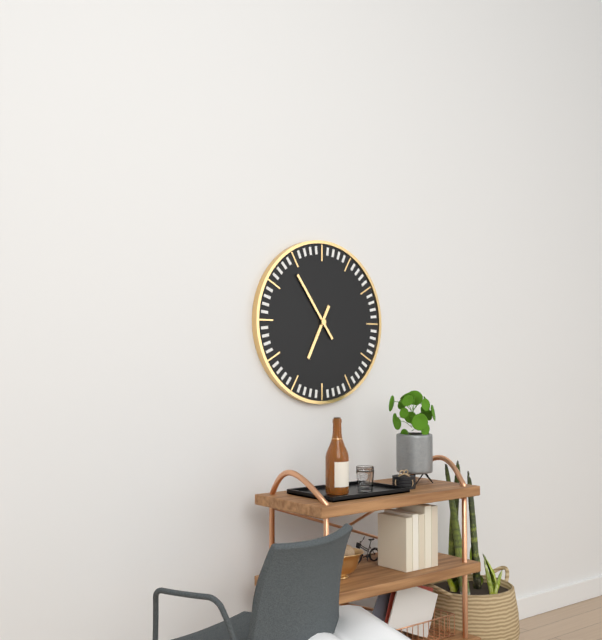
6 h 54 min
